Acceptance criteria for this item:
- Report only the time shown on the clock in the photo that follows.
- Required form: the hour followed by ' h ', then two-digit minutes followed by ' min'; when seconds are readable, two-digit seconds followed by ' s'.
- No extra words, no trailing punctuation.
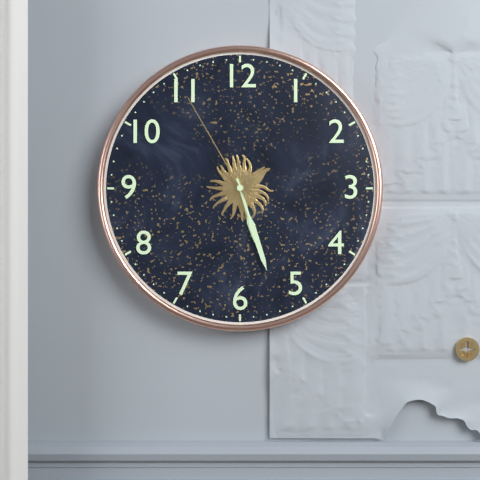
5 h 27 min 55 s
